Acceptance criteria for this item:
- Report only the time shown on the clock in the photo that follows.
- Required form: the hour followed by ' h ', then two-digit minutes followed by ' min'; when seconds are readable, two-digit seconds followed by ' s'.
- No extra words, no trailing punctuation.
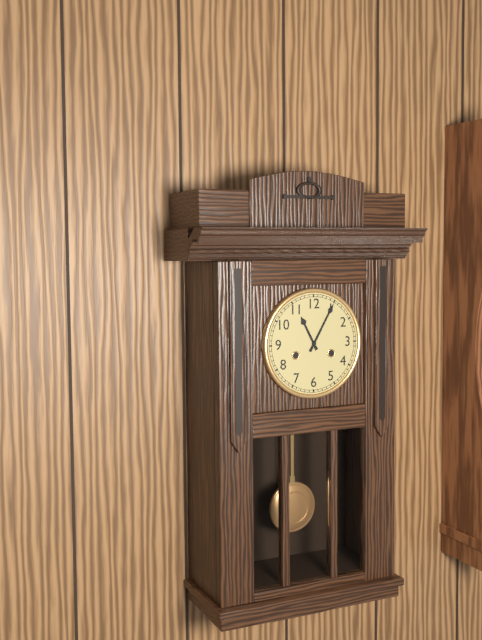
11 h 05 min
